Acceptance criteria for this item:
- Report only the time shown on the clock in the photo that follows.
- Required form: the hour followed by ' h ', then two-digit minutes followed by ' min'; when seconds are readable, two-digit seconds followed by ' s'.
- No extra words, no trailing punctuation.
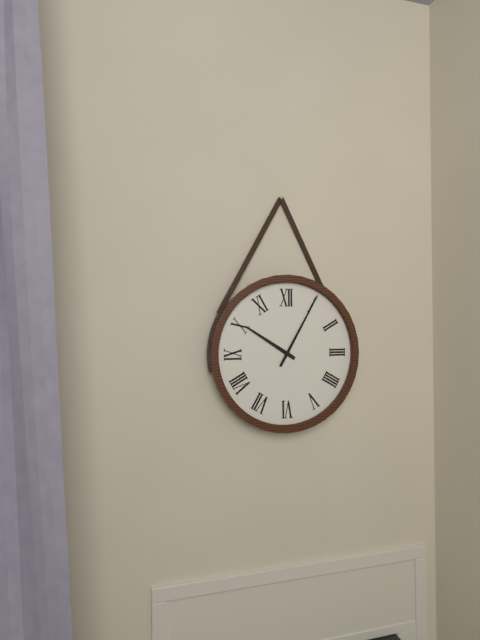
10 h 05 min
